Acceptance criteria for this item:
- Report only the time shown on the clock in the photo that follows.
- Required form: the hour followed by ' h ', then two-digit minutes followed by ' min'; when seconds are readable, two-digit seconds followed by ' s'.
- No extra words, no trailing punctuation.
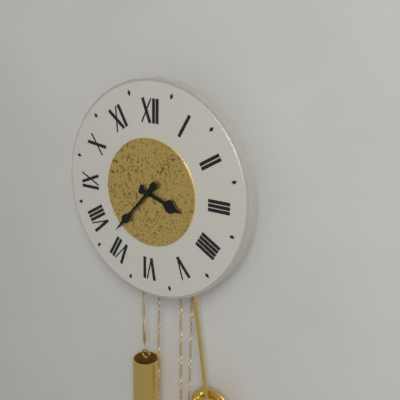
3 h 37 min
